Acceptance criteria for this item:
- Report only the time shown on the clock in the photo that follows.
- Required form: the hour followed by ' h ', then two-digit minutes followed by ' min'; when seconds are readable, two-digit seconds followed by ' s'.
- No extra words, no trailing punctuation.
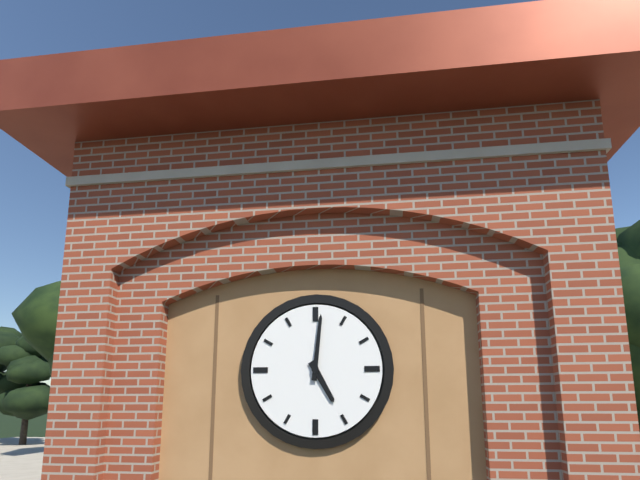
5 h 01 min
